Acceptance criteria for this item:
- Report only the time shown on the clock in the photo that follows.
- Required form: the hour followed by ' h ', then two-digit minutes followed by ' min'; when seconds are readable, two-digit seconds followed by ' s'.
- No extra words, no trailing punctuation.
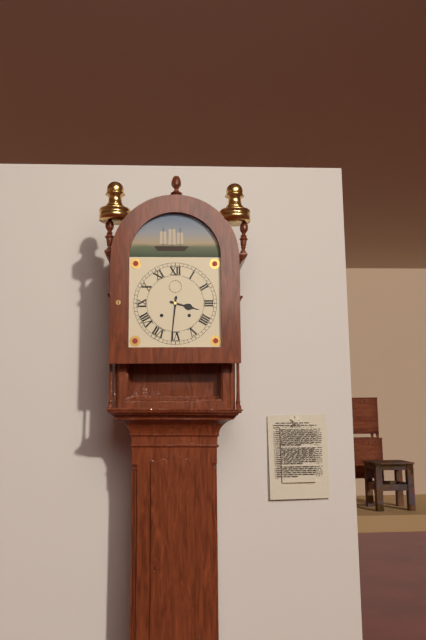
3 h 31 min
